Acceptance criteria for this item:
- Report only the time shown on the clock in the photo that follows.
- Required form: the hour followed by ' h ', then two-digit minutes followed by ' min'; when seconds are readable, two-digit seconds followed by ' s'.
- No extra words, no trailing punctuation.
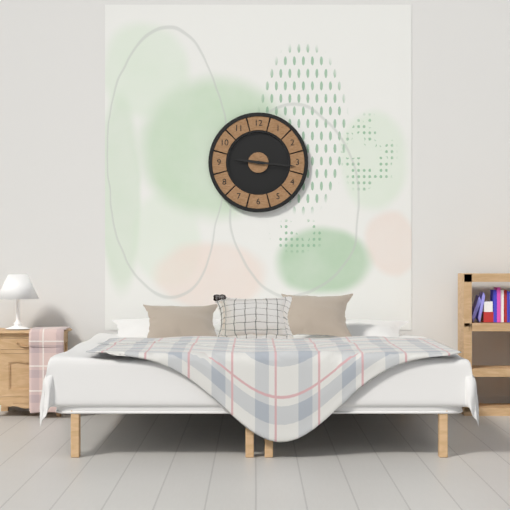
9 h 16 min
